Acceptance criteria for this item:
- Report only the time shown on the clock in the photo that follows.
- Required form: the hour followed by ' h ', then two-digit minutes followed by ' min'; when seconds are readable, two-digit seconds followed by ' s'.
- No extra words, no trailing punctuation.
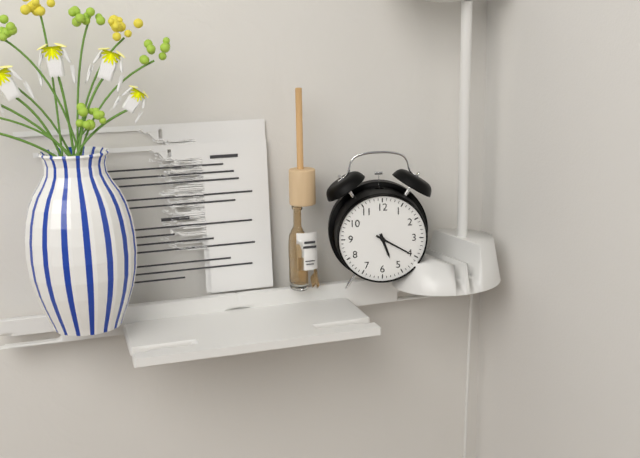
5 h 20 min
